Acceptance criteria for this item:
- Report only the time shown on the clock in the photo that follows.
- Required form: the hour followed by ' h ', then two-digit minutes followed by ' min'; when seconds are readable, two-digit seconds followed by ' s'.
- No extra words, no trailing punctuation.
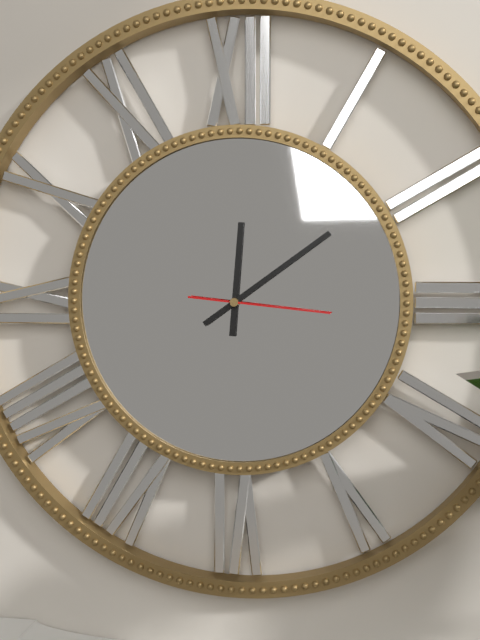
12 h 09 min 16 s
